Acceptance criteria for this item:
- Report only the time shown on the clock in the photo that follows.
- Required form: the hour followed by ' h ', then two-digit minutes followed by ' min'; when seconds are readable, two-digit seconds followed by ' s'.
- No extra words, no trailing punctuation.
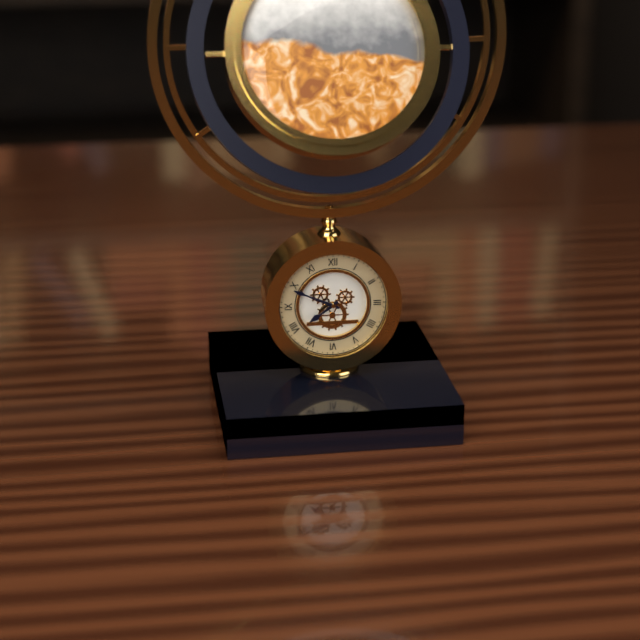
7 h 49 min
